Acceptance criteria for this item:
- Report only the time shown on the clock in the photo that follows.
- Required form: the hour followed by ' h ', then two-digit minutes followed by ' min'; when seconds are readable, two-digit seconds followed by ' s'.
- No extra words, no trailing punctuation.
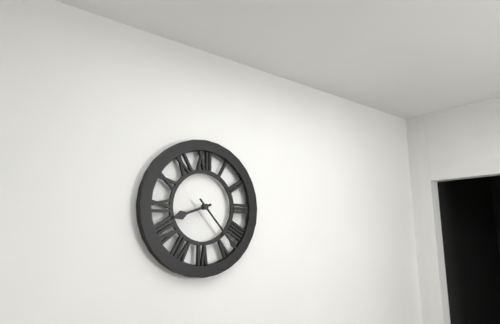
8 h 23 min
